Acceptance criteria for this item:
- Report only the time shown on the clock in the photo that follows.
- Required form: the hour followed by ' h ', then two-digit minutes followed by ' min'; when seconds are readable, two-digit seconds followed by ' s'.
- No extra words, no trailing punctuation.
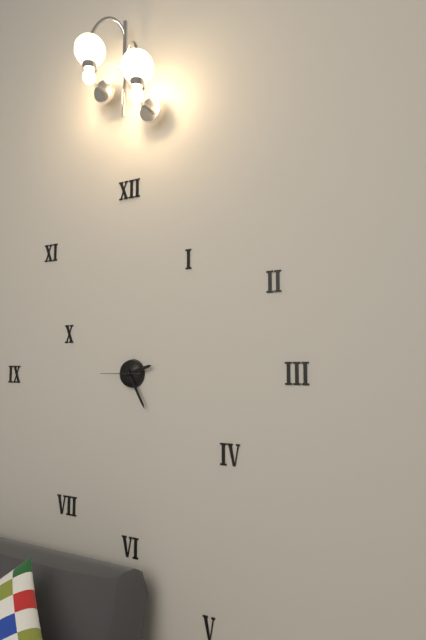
2 h 25 min
